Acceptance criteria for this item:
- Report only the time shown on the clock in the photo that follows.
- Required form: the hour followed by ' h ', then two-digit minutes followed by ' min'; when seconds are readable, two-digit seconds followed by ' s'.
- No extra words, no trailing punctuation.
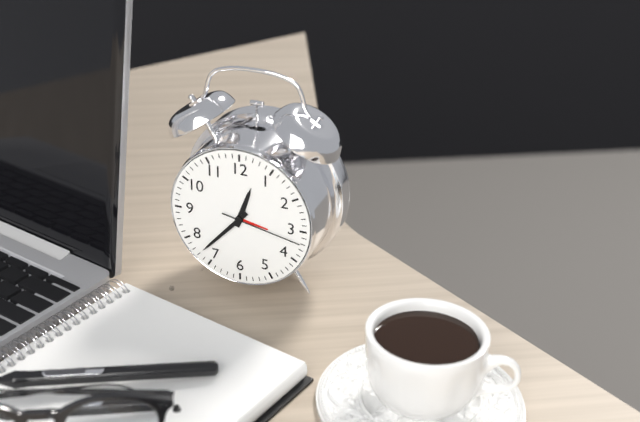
12 h 37 min 17 s
